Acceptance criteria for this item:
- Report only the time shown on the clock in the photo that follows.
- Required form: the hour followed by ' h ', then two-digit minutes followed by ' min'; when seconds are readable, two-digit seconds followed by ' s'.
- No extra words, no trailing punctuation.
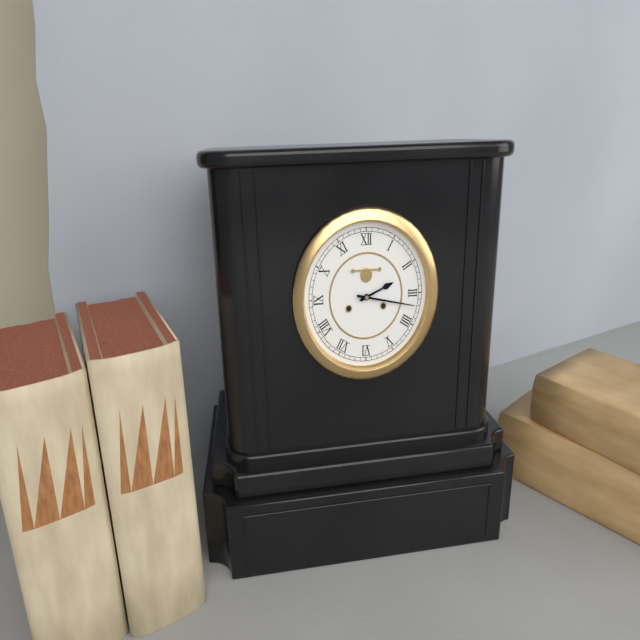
2 h 17 min
